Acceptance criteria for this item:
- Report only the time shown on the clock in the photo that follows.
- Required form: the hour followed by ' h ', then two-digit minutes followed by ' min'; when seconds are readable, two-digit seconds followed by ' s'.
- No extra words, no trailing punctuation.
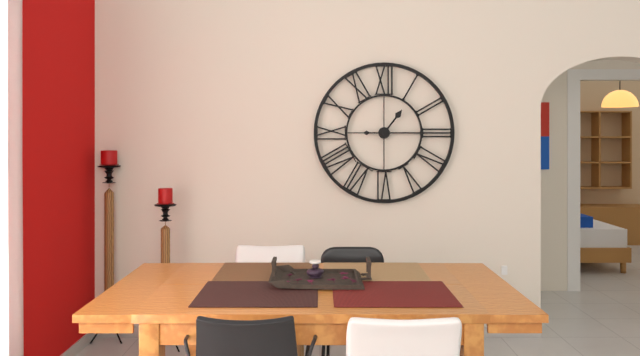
1 h 15 min
